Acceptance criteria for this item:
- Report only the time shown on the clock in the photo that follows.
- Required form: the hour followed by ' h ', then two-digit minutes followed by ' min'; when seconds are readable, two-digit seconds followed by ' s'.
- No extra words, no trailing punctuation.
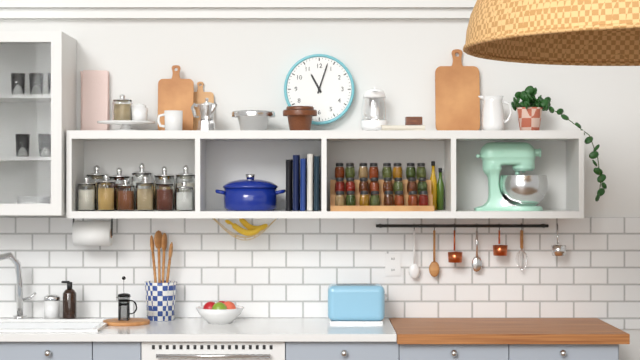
11 h 03 min
